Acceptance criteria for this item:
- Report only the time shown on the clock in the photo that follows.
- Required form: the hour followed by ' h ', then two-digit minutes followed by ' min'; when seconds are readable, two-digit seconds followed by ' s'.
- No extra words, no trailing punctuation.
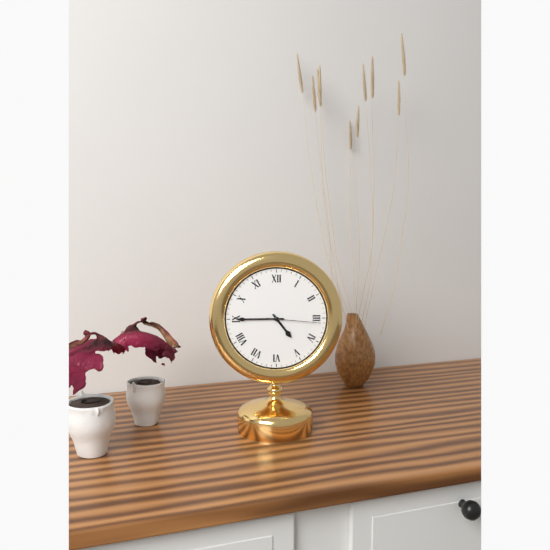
4 h 45 min 16 s
